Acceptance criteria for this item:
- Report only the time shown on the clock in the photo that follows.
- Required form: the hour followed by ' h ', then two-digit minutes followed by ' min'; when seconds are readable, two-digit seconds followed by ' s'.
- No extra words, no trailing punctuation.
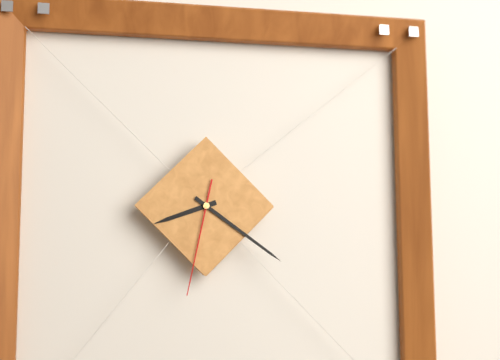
8 h 21 min 32 s
